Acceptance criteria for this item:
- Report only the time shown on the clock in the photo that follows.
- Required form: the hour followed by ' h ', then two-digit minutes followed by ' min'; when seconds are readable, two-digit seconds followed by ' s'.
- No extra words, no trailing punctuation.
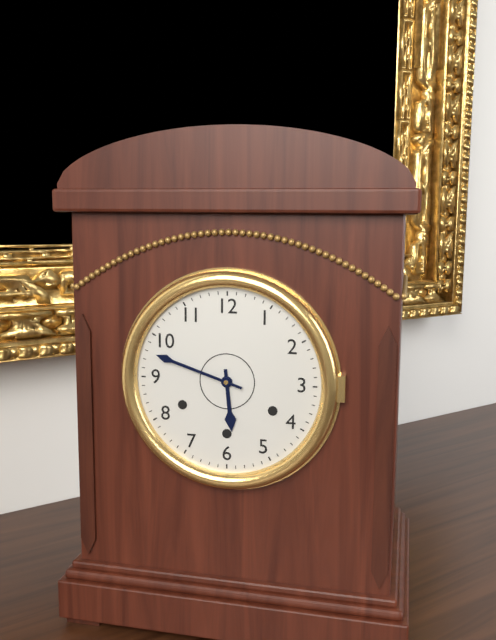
5 h 48 min
